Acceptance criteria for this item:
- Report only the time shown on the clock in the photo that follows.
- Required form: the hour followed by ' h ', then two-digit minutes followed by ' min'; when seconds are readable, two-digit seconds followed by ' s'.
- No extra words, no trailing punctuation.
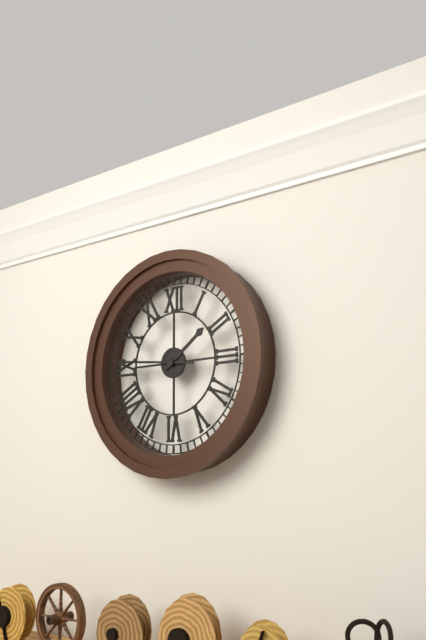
1 h 46 min
